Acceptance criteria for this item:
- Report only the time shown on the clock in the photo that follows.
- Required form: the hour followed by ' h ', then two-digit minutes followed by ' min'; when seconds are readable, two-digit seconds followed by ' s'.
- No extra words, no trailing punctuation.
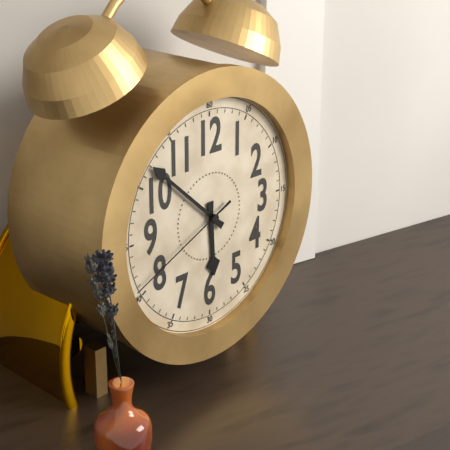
5 h 52 min 41 s
